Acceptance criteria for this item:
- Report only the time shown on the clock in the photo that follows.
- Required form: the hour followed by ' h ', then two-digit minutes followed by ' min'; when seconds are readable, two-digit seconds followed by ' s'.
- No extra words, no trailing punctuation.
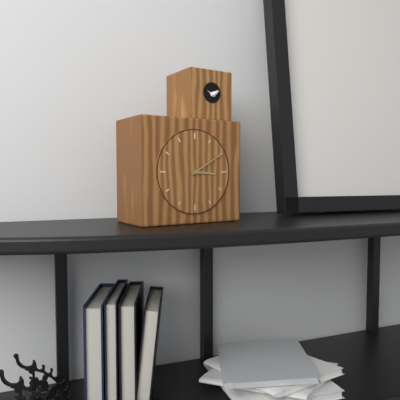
3 h 10 min
